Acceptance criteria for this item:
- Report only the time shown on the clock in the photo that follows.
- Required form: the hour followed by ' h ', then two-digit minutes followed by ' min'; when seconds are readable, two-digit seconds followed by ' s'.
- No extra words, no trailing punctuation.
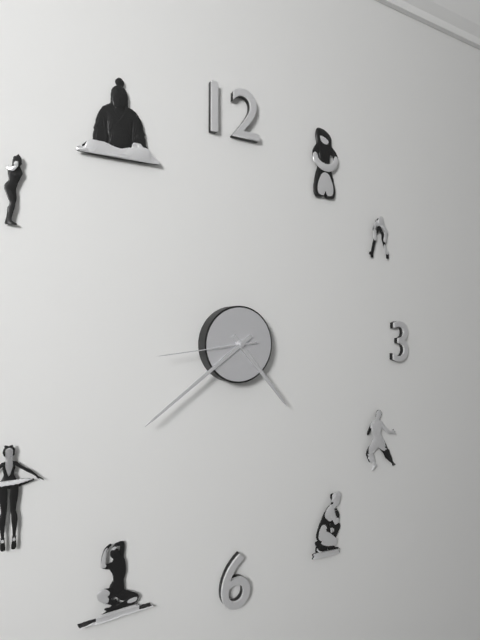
4 h 39 min 44 s
